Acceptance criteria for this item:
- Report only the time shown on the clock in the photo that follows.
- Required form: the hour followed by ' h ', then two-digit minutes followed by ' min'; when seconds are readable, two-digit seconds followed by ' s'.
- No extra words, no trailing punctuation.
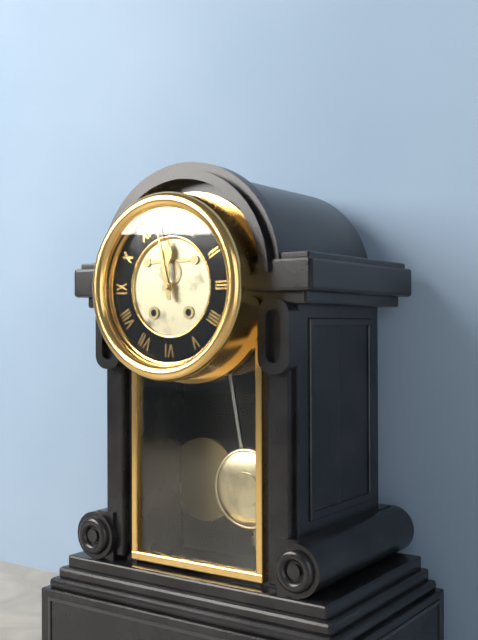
11 h 58 min
